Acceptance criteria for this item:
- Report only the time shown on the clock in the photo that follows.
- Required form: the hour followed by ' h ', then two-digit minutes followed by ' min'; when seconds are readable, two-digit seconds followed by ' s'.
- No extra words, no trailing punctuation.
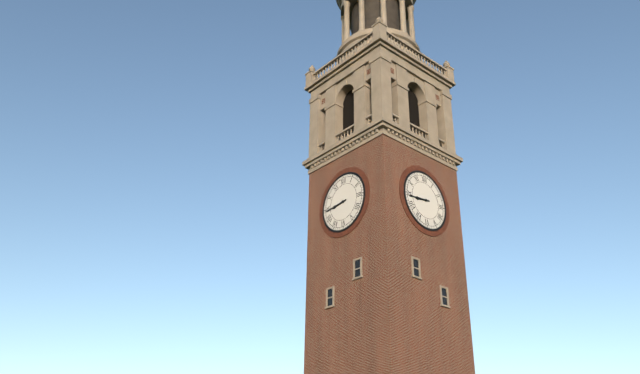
8 h 44 min
